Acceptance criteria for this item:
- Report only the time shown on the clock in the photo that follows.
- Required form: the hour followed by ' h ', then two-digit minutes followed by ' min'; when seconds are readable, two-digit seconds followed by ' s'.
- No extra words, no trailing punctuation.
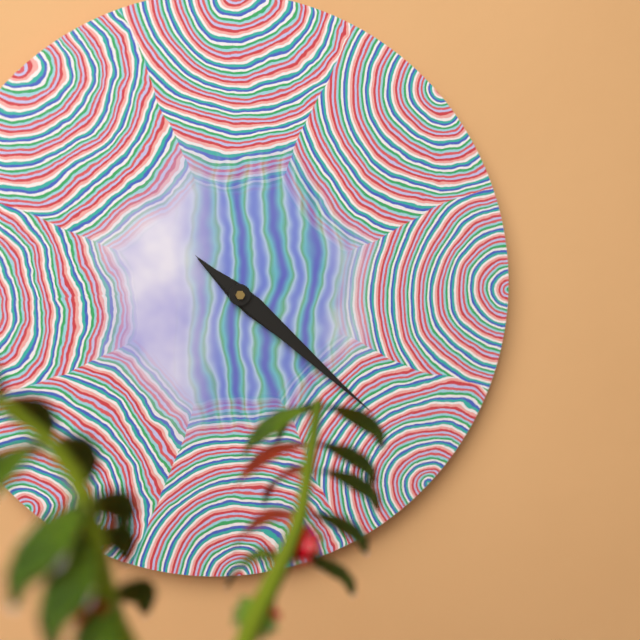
4 h 22 min
